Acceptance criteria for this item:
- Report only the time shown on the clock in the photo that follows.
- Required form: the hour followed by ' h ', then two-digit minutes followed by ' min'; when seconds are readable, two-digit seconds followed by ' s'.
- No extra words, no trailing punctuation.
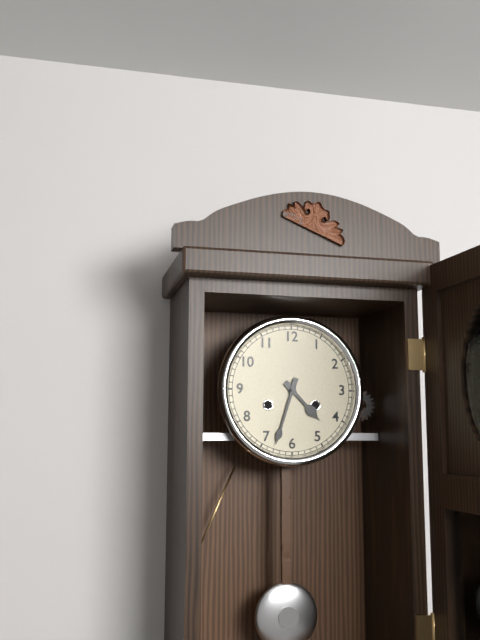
4 h 33 min
